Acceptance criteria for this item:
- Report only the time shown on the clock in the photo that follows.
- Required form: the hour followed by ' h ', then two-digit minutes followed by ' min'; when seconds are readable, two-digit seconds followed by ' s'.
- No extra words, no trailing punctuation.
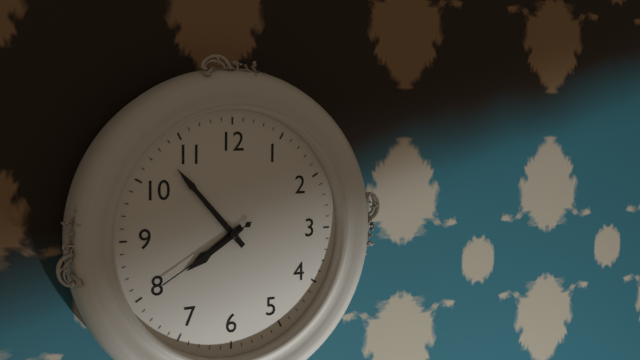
7 h 53 min 40 s
